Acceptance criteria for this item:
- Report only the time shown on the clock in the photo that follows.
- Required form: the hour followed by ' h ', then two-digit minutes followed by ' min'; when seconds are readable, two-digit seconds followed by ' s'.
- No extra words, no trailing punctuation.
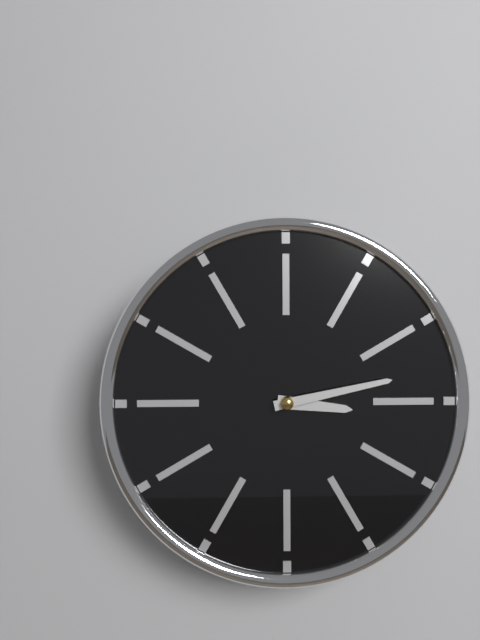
3 h 13 min
